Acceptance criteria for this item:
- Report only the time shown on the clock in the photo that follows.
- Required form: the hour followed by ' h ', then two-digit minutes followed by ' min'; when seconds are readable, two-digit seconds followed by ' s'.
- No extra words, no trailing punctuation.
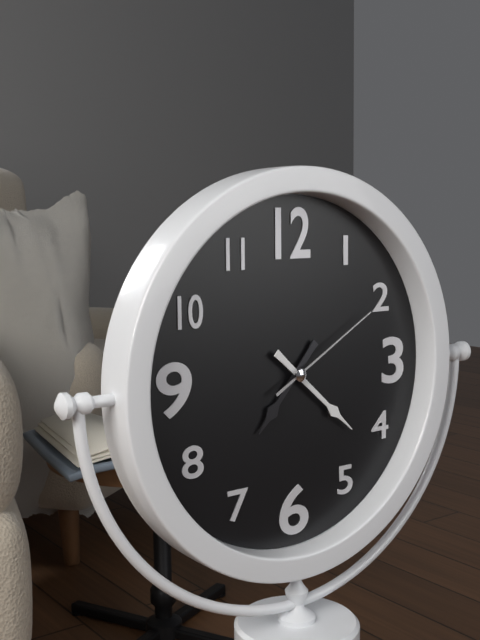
7 h 22 min 10 s
